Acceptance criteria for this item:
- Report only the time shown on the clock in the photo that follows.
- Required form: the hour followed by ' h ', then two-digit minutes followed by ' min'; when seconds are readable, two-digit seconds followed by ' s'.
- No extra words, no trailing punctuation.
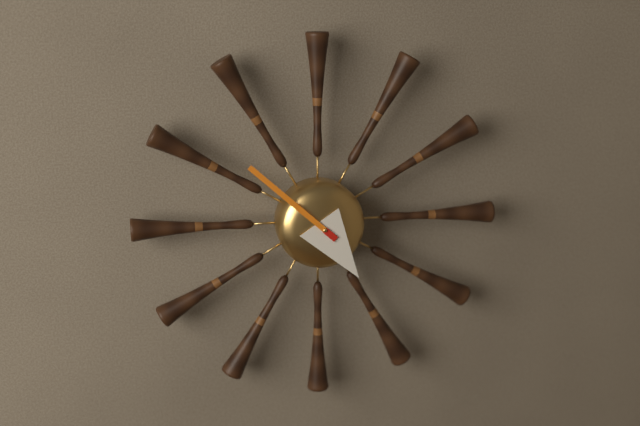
4 h 52 min
